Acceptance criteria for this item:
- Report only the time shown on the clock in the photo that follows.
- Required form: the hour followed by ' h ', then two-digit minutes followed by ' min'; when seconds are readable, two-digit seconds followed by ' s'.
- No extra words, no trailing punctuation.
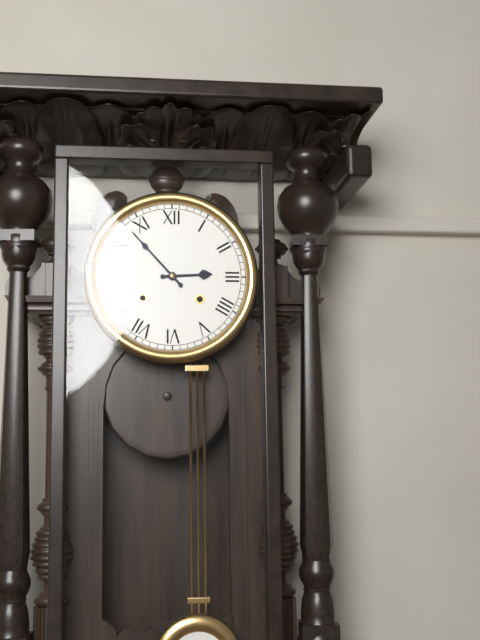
2 h 53 min
